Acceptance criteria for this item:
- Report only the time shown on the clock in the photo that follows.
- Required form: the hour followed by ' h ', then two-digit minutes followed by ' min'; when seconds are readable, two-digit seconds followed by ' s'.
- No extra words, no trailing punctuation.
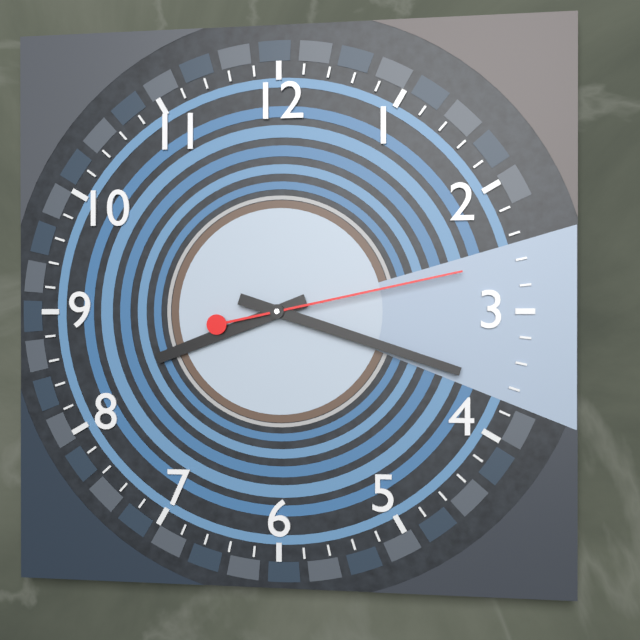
8 h 18 min 13 s
